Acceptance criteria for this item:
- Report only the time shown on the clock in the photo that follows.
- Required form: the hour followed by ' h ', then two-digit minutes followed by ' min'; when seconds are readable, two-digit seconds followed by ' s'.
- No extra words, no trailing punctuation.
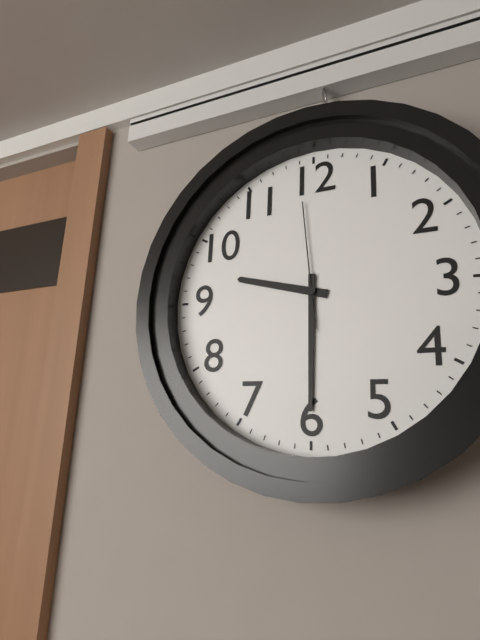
9 h 30 min 59 s
